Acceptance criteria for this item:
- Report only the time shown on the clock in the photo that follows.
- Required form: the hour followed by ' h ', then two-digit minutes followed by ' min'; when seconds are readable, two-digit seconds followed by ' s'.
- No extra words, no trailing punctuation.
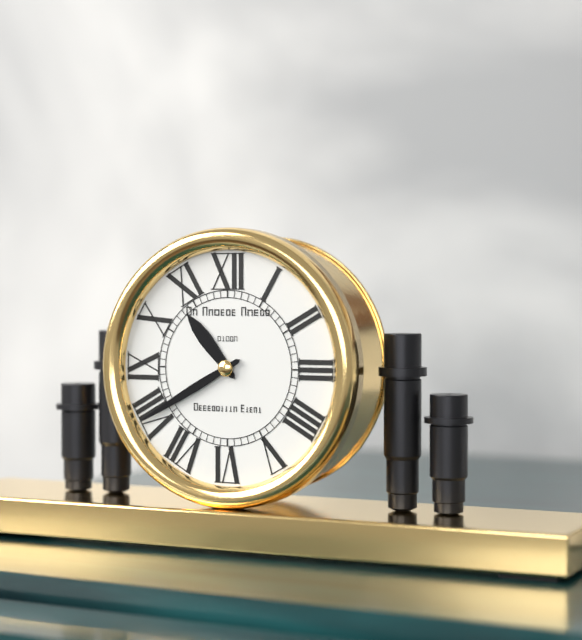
10 h 40 min
